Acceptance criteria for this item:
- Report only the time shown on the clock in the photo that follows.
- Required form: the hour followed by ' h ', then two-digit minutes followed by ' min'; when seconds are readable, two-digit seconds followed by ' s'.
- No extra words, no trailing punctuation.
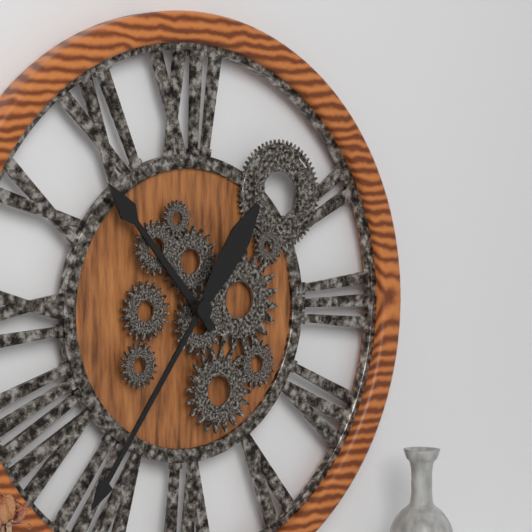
10 h 36 min
